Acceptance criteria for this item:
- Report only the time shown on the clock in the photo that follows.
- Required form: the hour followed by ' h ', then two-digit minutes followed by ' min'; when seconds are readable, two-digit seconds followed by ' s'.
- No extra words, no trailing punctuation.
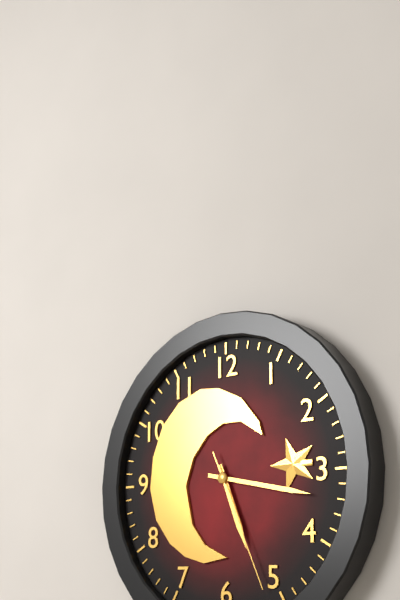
5 h 17 min 26 s
